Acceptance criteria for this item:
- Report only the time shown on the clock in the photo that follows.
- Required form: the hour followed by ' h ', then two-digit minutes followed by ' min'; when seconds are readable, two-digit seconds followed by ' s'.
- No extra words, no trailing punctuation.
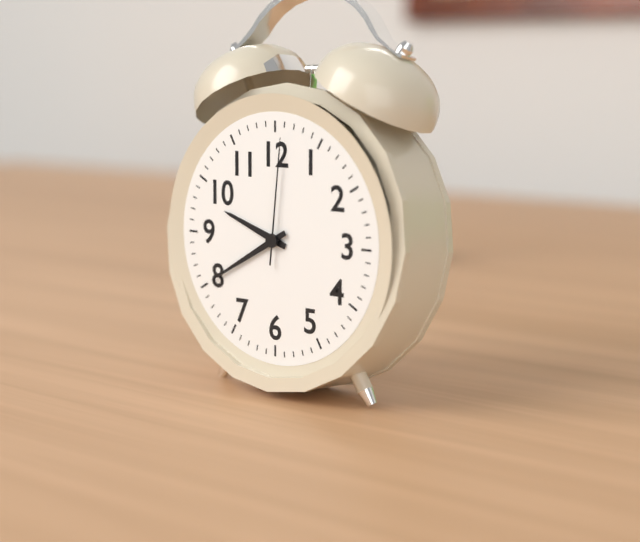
9 h 40 min 01 s
